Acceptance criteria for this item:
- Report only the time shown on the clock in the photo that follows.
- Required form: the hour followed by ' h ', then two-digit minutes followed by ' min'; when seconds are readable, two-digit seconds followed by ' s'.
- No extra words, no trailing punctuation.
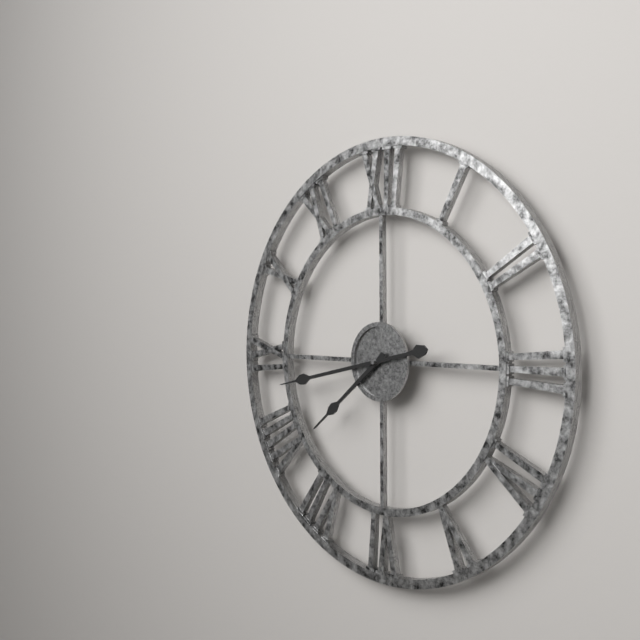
7 h 43 min
